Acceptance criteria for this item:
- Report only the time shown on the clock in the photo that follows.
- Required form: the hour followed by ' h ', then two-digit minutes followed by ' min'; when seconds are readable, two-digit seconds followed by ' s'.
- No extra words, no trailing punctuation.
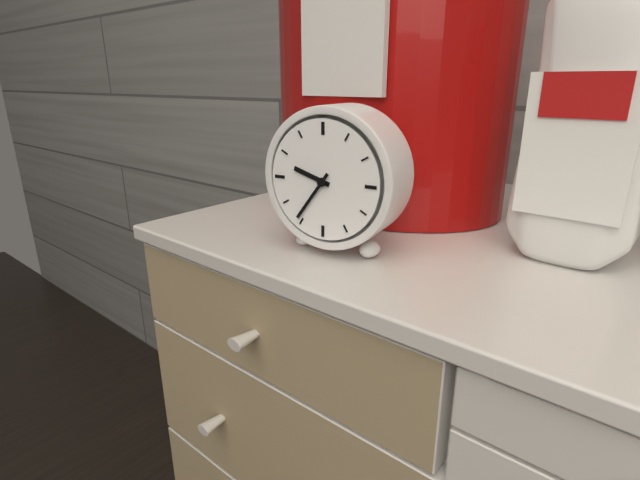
9 h 36 min
